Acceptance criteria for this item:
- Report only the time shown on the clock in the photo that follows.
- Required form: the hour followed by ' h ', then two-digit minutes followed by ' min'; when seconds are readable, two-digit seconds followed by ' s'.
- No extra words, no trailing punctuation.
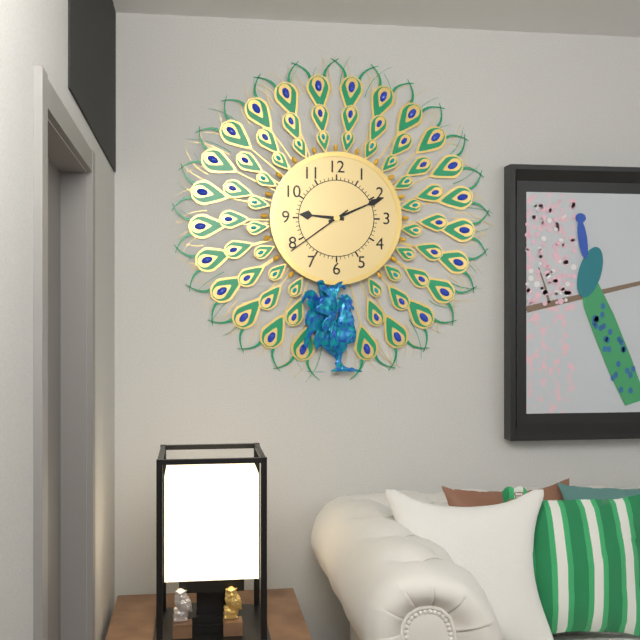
9 h 11 min 39 s
